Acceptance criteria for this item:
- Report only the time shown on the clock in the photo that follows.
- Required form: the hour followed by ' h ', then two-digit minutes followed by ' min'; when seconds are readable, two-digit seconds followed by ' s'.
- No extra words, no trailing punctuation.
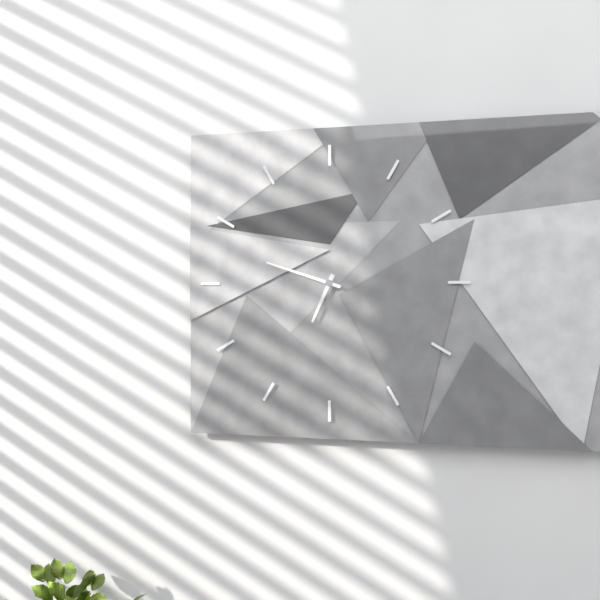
6 h 48 min
